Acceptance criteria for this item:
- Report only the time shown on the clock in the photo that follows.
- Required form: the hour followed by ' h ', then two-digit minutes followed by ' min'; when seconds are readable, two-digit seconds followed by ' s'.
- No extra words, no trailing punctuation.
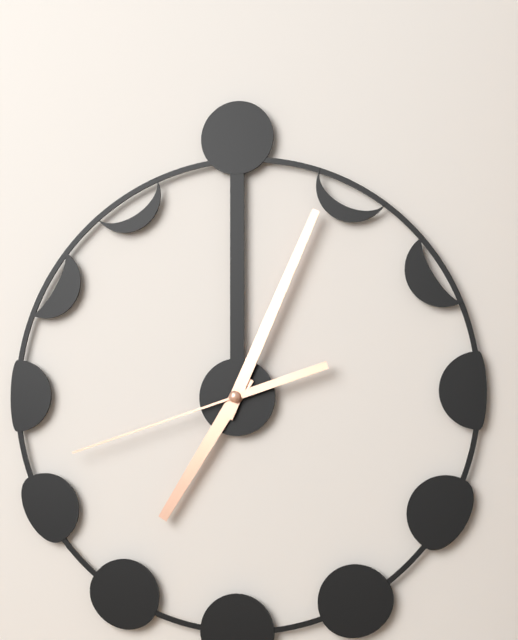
7 h 04 min 42 s
